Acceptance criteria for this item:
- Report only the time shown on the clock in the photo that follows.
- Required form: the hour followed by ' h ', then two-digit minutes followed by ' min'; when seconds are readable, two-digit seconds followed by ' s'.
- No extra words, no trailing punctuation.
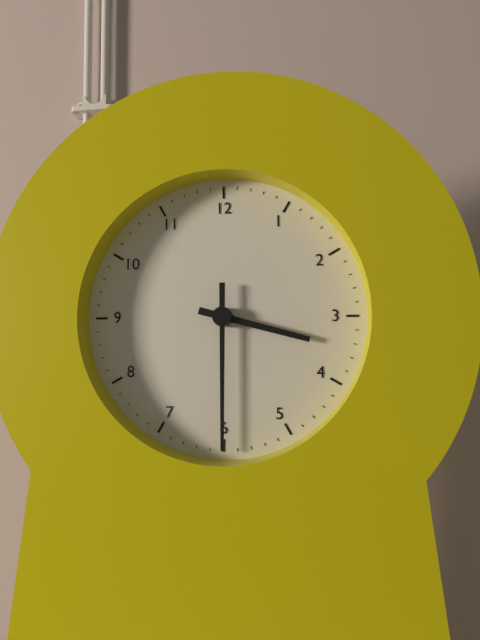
3 h 30 min
